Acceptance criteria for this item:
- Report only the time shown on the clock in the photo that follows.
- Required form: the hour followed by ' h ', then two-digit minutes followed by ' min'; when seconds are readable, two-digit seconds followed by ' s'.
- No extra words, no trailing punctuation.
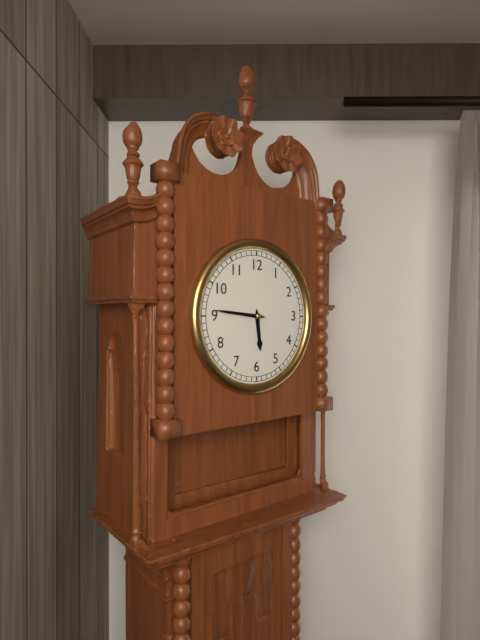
5 h 46 min
